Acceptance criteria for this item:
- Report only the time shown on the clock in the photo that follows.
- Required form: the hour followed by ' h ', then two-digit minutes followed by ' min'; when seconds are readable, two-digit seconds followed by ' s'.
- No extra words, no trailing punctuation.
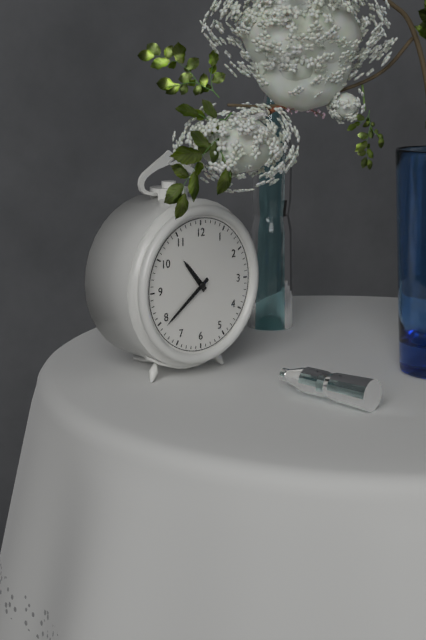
10 h 39 min
